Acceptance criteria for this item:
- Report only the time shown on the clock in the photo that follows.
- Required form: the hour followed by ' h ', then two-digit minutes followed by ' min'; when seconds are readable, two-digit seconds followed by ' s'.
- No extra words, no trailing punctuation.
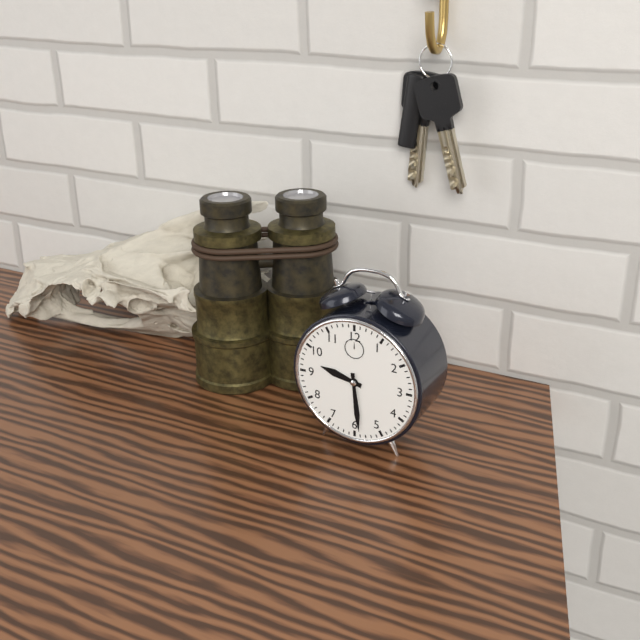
9 h 29 min
